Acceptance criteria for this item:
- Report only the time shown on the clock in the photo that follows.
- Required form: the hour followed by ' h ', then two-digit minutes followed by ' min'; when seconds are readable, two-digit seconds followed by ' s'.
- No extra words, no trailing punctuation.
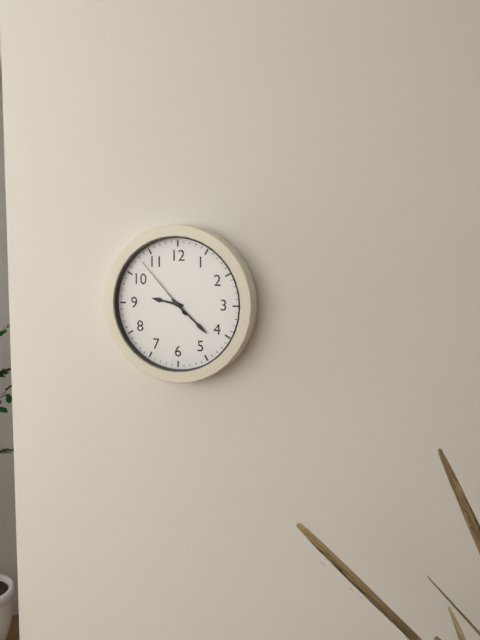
9 h 22 min 53 s
